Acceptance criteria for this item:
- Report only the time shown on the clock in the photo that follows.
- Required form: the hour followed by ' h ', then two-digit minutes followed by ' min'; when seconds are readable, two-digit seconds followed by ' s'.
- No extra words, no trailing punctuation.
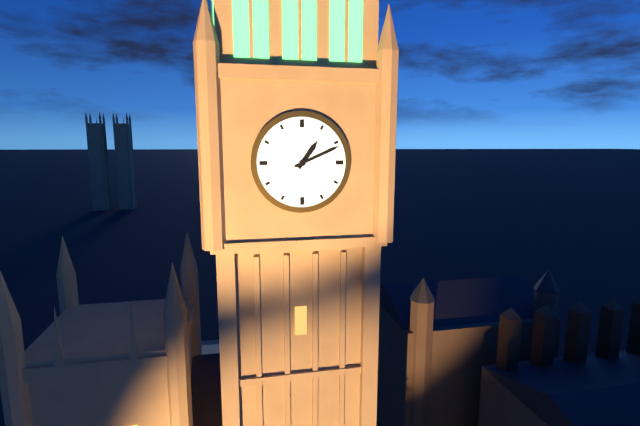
1 h 11 min
